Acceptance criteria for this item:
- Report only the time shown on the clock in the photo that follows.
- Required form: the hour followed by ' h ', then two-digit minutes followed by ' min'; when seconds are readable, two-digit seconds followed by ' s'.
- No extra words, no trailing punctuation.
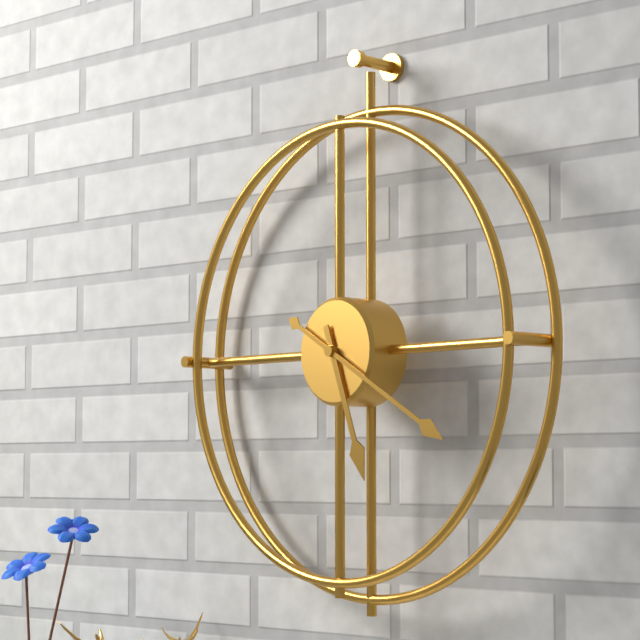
5 h 20 min
